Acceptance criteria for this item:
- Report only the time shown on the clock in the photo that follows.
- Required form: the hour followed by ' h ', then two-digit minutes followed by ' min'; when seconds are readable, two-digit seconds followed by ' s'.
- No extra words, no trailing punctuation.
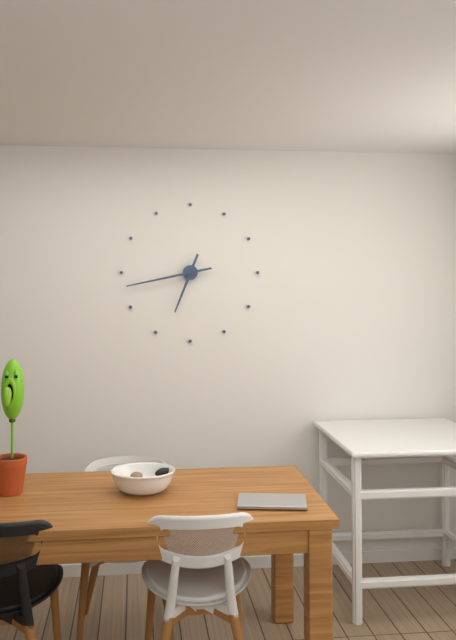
6 h 43 min
